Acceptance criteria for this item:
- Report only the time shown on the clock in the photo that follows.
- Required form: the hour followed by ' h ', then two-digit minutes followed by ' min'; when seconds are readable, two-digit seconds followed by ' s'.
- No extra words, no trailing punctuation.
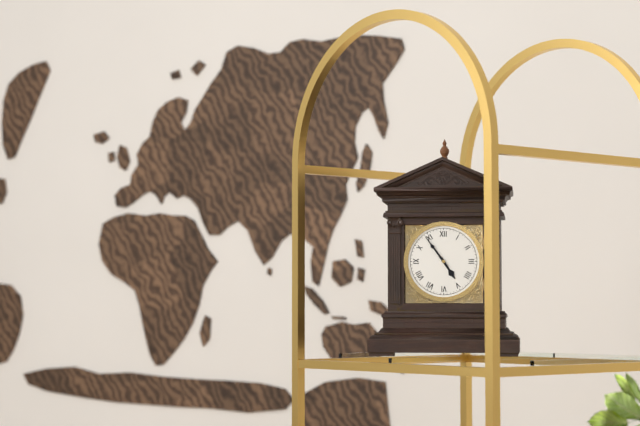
4 h 54 min
